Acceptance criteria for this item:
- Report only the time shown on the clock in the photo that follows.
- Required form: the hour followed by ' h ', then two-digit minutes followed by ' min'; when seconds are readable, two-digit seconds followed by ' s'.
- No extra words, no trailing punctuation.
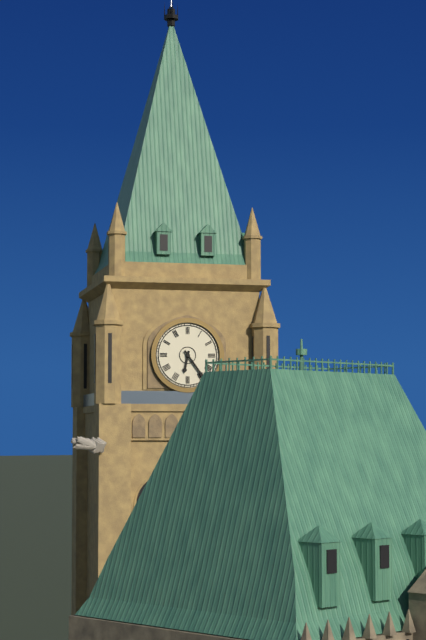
6 h 24 min
